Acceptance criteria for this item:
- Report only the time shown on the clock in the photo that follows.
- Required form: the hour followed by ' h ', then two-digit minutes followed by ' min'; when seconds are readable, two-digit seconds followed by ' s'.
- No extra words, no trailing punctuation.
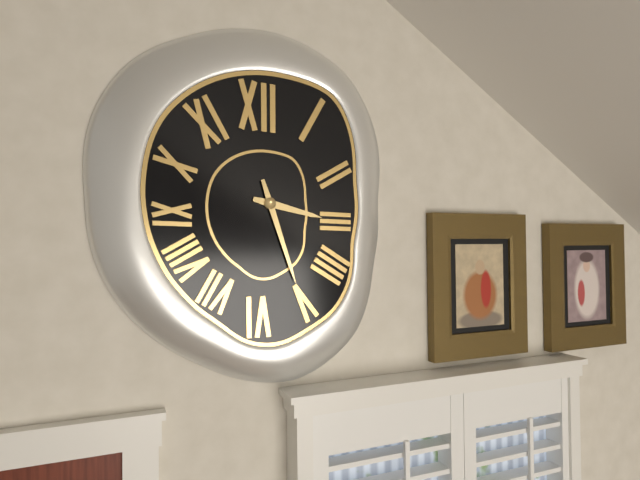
3 h 27 min
